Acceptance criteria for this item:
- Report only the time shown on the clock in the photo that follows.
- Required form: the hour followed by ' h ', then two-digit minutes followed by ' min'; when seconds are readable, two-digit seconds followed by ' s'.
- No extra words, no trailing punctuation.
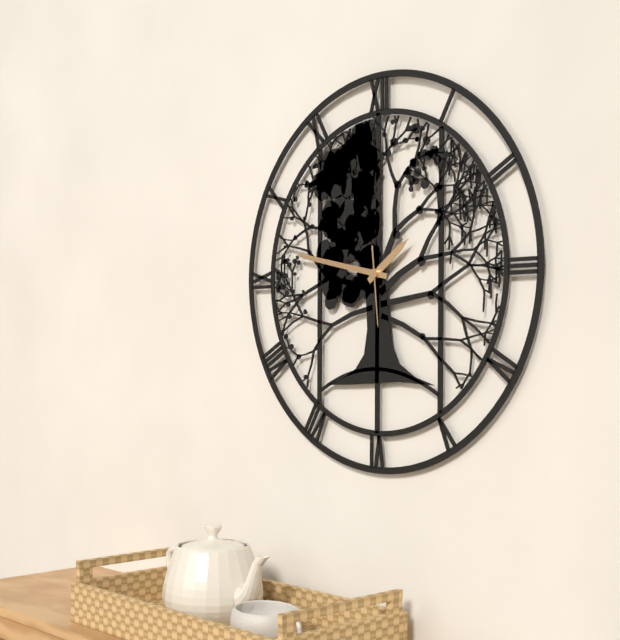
1 h 47 min 29 s
